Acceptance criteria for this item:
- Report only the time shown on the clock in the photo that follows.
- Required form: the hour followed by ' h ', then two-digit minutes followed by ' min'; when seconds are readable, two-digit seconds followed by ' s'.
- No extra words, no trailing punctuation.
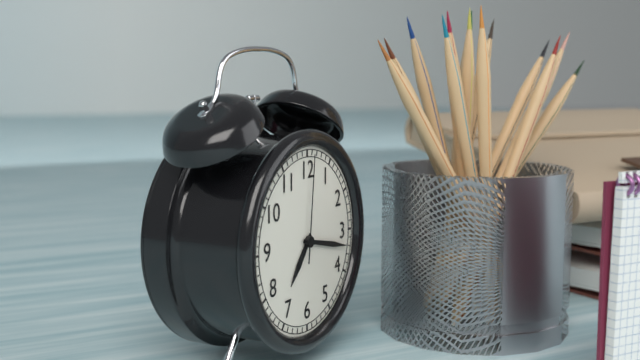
7 h 17 min 01 s
